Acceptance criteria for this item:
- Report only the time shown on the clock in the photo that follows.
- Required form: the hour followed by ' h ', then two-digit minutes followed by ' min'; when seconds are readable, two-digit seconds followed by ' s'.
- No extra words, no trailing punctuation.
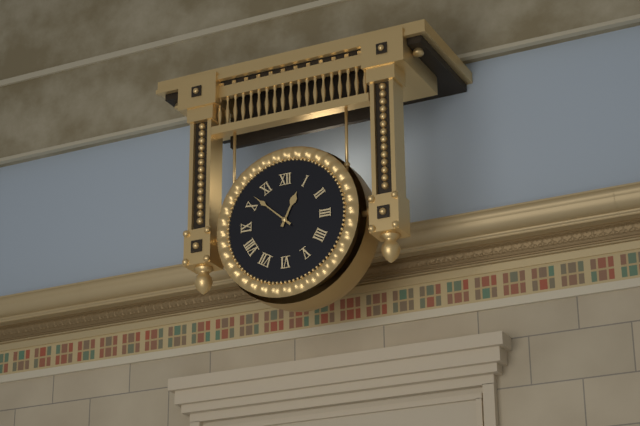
12 h 52 min
